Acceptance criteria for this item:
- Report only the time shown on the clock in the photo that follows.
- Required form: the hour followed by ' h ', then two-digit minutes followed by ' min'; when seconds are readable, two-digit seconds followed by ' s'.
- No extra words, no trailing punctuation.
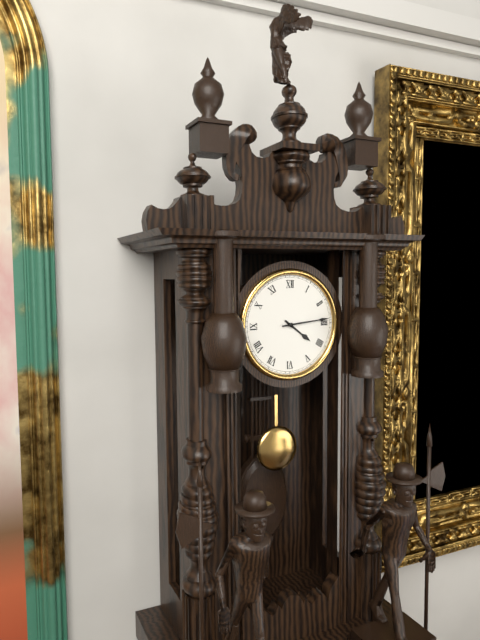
4 h 14 min
